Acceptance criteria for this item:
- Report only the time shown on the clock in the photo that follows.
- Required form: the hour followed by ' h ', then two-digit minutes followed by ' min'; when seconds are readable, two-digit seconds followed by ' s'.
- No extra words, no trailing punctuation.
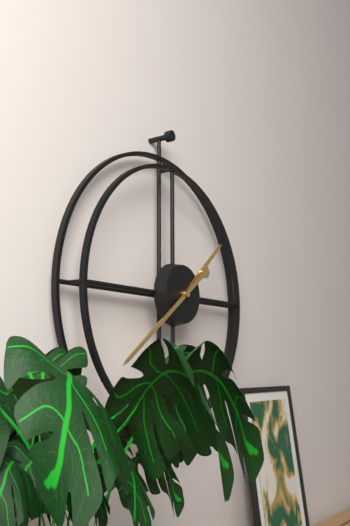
1 h 39 min
